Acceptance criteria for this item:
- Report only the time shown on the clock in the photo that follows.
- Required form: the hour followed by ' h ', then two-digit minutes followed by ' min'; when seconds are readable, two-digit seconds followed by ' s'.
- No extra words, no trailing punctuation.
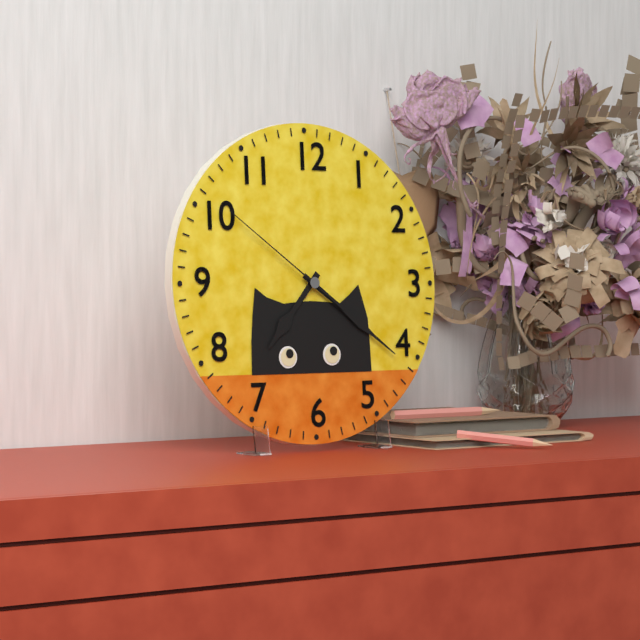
7 h 21 min 51 s
